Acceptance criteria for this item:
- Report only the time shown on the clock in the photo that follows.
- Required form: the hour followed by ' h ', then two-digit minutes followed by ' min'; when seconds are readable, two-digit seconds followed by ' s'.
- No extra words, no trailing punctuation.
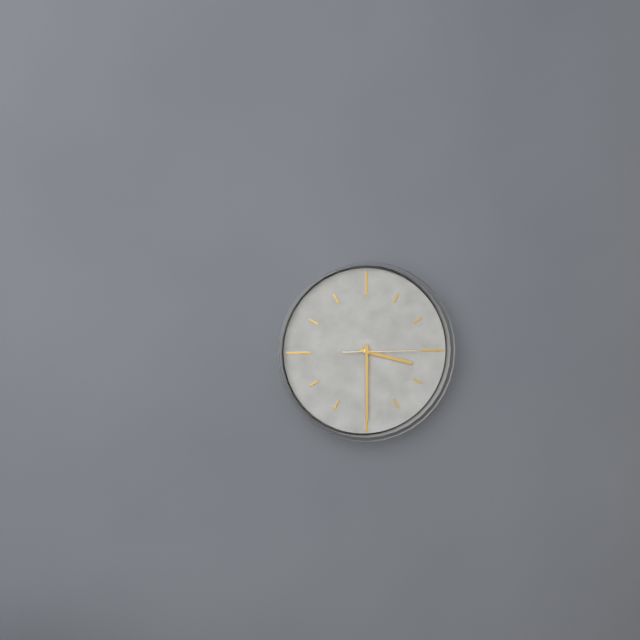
3 h 30 min 15 s
